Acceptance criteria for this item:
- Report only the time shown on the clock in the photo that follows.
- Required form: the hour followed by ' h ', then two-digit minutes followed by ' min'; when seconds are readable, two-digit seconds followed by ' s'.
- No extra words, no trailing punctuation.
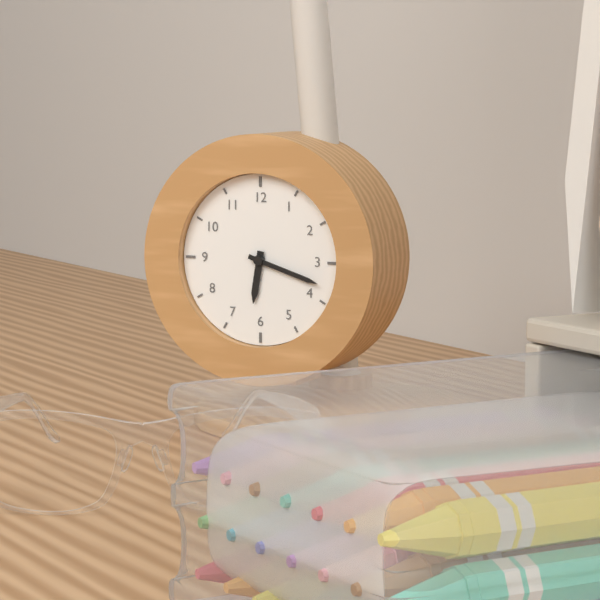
6 h 18 min
